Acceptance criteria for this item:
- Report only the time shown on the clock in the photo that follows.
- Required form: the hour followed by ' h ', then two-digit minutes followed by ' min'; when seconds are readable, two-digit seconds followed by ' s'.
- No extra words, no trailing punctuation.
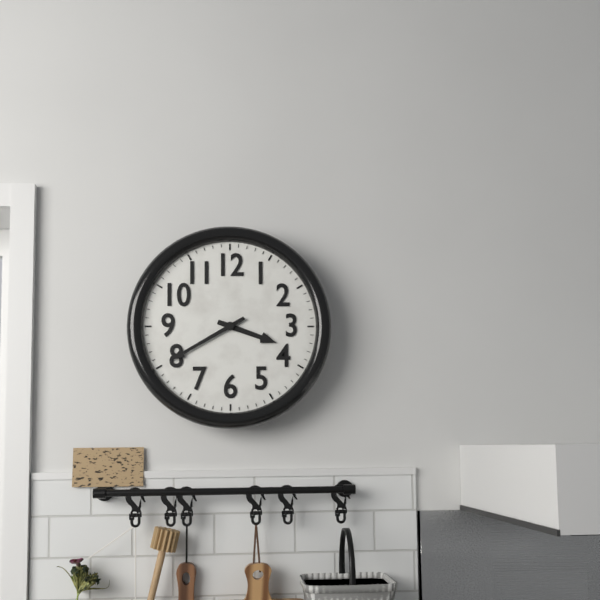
3 h 40 min
